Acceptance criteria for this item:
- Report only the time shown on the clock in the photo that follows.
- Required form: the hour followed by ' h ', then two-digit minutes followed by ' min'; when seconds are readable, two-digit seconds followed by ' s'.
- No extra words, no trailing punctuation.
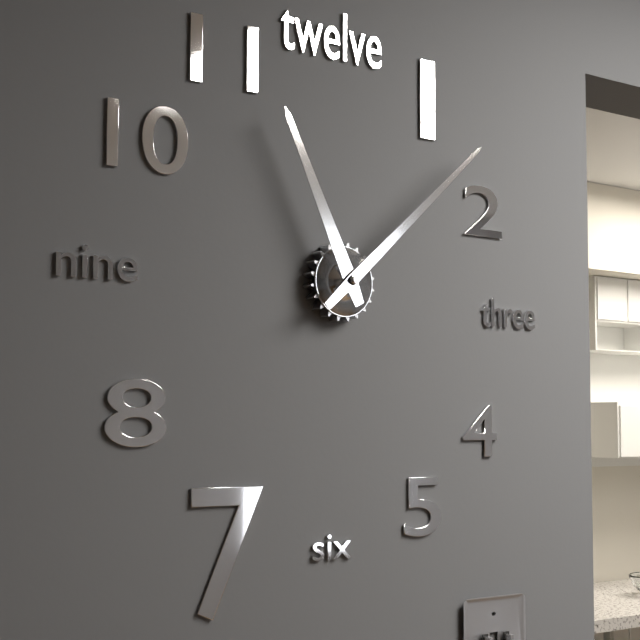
11 h 08 min
